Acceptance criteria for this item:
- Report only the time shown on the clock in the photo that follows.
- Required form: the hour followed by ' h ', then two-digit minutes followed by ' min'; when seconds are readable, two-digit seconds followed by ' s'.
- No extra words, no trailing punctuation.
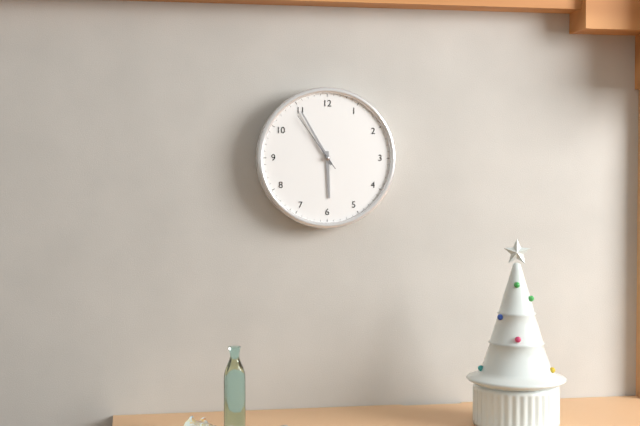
5 h 55 min 54 s
